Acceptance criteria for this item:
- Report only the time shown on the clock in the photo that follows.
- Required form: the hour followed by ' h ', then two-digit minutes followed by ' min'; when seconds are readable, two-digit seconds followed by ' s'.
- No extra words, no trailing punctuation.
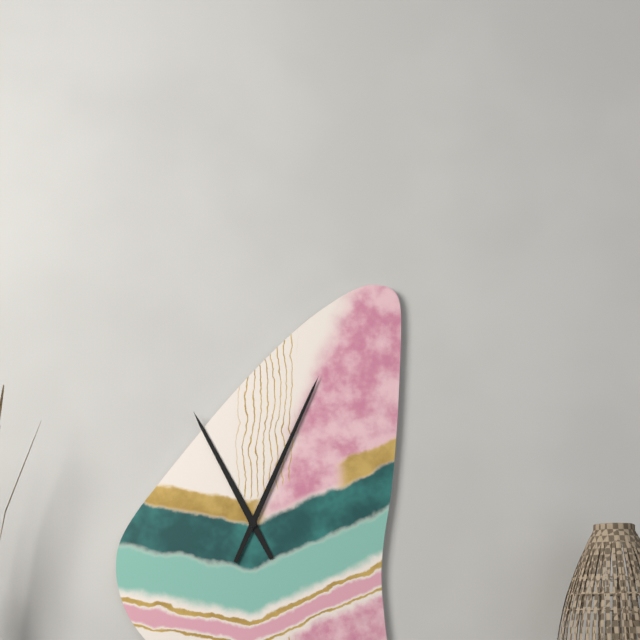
11 h 04 min
